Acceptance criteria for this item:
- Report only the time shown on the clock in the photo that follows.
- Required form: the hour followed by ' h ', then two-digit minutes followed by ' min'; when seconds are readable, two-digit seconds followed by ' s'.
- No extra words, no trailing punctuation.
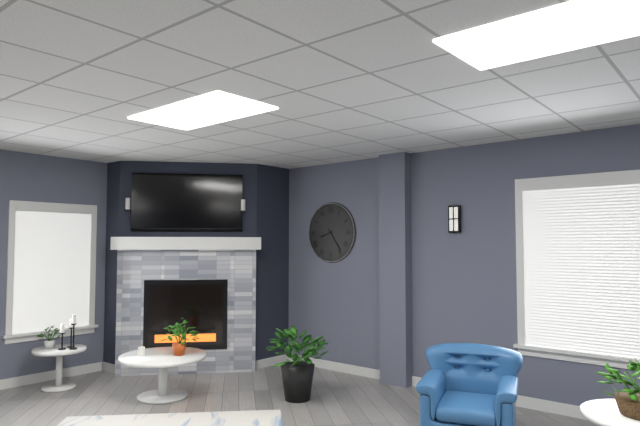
8 h 24 min
